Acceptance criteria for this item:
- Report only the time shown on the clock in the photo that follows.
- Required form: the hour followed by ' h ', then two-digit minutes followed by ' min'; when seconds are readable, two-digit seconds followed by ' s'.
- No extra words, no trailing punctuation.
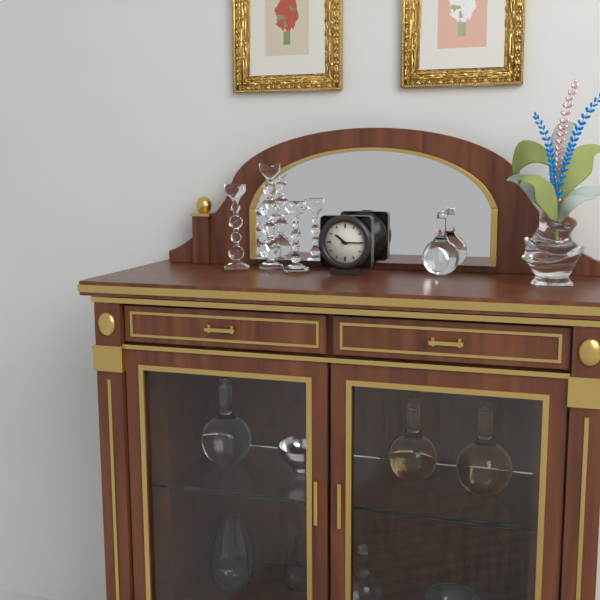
10 h 15 min
